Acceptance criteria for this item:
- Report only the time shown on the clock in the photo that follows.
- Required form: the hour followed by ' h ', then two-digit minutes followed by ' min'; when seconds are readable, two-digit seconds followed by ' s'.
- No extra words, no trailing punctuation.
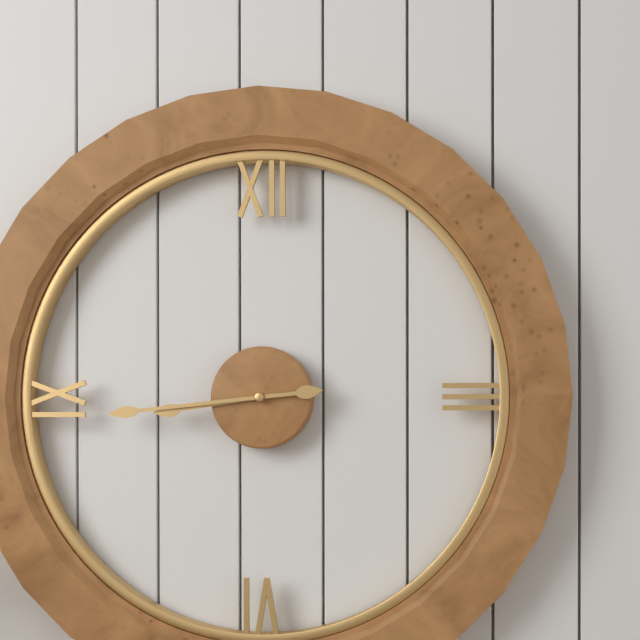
8 h 44 min
